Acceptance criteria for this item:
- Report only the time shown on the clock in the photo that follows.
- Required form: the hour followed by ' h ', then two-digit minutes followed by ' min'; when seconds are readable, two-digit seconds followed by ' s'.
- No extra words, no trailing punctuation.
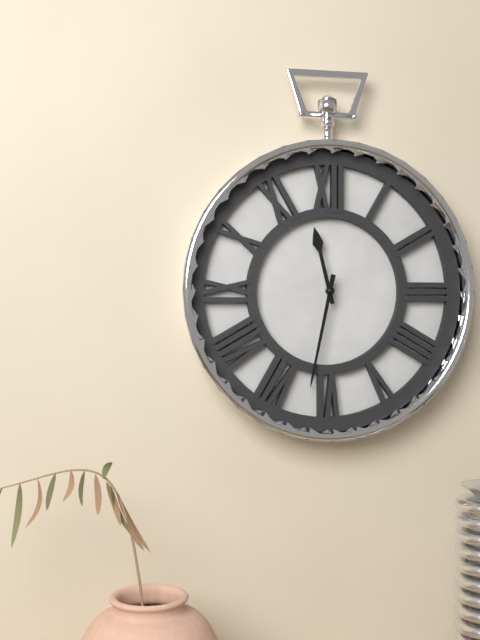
11 h 32 min
